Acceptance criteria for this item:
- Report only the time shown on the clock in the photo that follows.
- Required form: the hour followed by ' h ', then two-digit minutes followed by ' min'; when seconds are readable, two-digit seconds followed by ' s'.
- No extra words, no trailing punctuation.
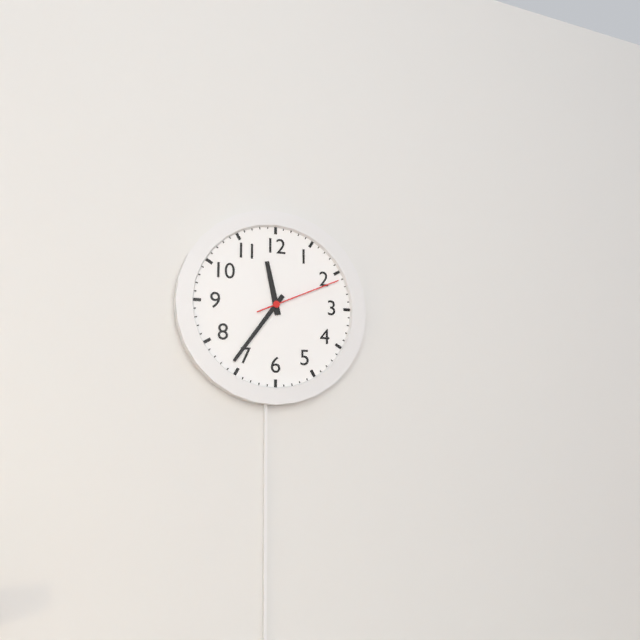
11 h 36 min 11 s
